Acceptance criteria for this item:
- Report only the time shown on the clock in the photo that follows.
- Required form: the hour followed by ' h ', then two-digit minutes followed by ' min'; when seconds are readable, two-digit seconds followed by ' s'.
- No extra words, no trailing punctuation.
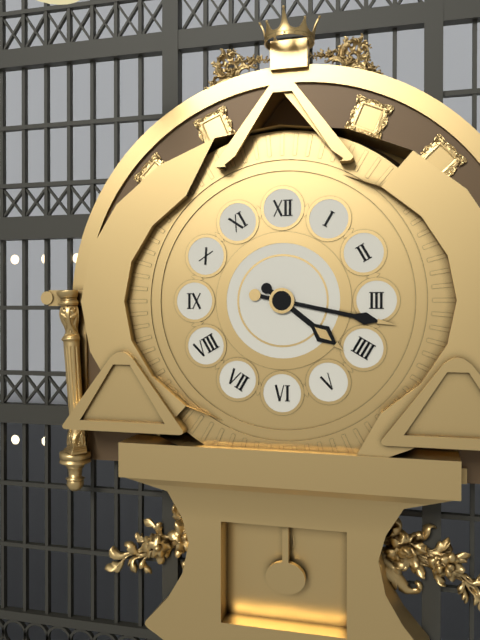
4 h 17 min
